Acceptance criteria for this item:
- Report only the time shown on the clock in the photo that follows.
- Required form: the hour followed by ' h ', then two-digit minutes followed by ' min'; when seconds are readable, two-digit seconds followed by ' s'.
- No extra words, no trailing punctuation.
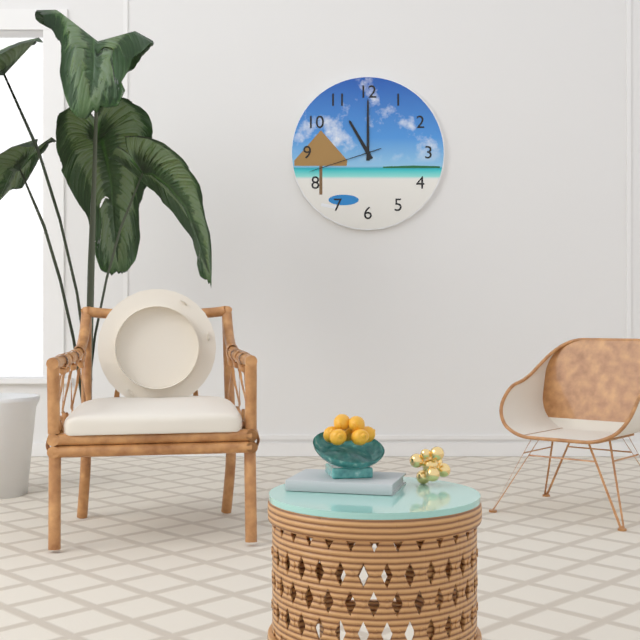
11 h 00 min 42 s
